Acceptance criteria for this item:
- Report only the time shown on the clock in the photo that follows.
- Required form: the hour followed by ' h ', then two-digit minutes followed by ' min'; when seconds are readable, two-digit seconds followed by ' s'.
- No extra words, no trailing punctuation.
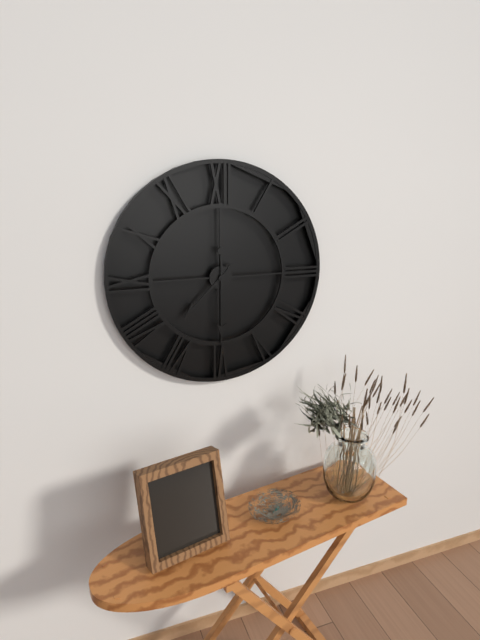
7 h 30 min
